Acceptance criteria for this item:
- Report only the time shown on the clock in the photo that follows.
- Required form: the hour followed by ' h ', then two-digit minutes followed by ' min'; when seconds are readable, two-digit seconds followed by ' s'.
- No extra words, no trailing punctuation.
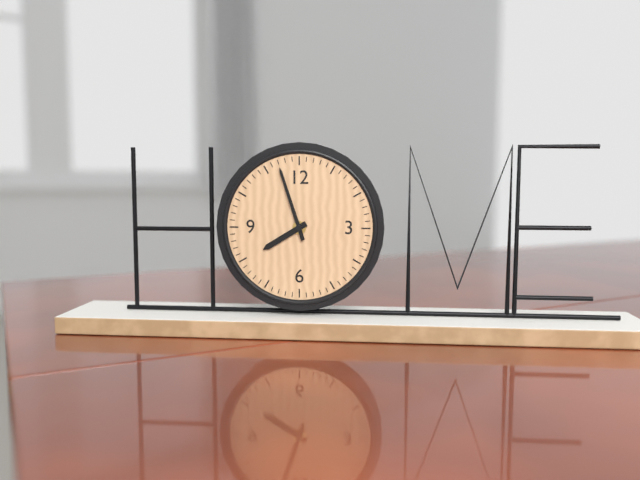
7 h 57 min
